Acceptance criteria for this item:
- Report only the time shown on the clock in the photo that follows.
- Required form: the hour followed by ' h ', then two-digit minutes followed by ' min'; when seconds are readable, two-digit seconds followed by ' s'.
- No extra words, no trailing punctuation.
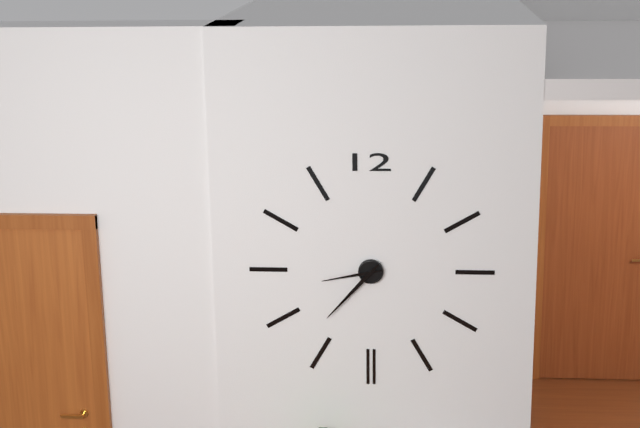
8 h 37 min
